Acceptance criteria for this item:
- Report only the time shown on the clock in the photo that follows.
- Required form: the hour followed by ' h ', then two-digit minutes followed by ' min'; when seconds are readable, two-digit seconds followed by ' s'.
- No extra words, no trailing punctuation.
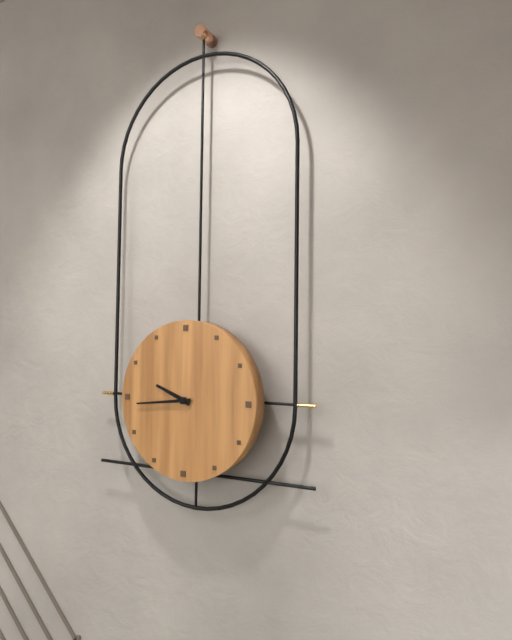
9 h 44 min
